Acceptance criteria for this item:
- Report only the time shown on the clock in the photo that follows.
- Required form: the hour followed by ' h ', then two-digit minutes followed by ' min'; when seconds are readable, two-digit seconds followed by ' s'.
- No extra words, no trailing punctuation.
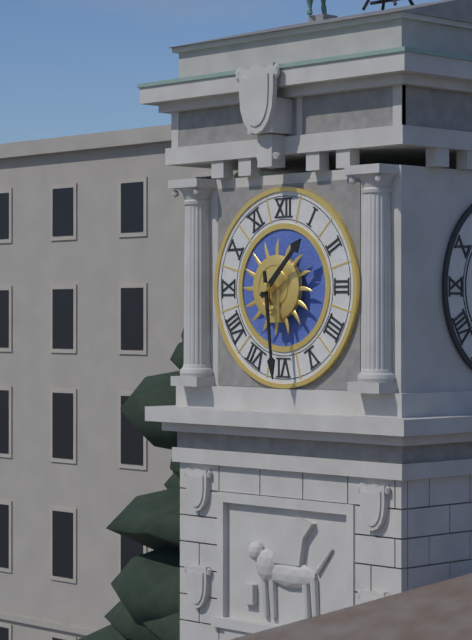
1 h 29 min
